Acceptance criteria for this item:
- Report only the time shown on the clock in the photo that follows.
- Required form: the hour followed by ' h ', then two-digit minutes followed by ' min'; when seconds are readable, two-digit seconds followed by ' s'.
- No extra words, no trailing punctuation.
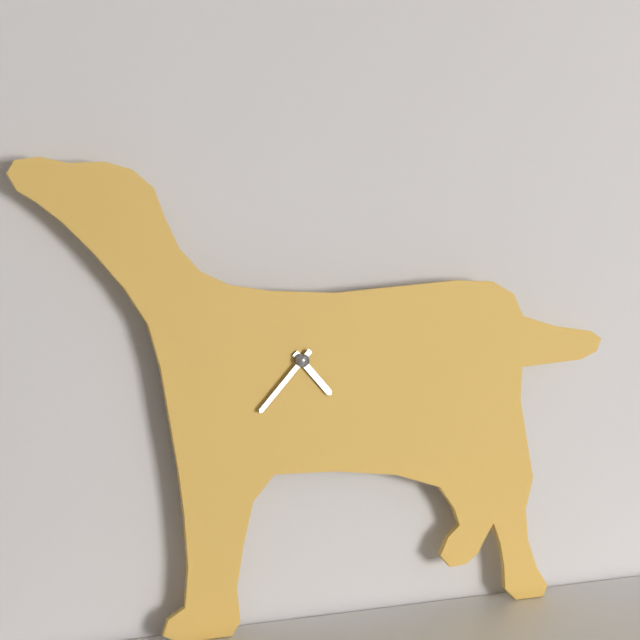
4 h 37 min
